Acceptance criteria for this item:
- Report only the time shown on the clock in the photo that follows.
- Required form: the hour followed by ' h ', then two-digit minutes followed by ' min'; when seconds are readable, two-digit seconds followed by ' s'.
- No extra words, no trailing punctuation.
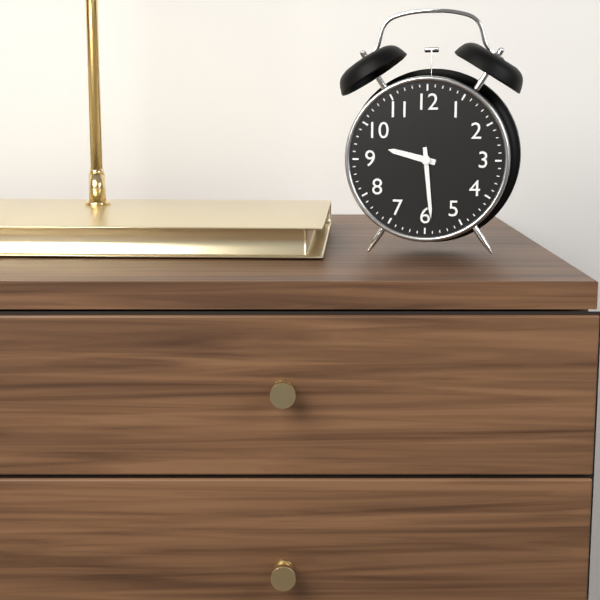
9 h 29 min
